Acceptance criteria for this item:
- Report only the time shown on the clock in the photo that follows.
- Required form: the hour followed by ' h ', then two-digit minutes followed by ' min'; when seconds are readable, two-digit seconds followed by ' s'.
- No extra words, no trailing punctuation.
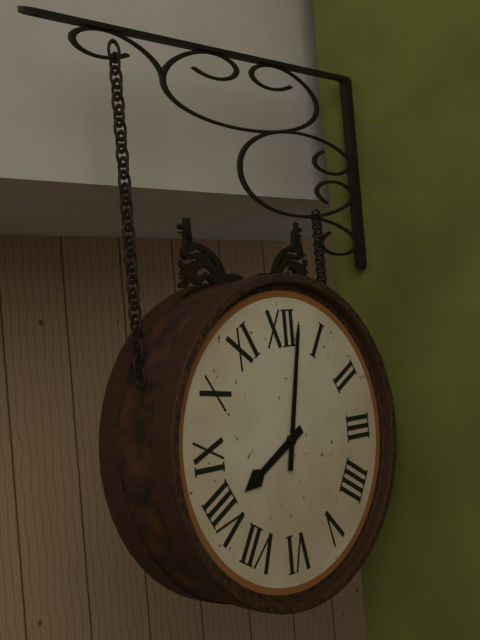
8 h 02 min
